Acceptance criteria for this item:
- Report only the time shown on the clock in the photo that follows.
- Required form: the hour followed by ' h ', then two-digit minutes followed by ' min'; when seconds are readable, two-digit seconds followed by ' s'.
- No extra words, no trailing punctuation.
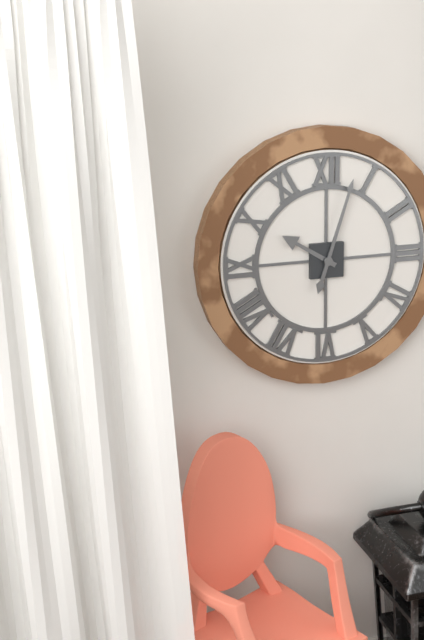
10 h 03 min
